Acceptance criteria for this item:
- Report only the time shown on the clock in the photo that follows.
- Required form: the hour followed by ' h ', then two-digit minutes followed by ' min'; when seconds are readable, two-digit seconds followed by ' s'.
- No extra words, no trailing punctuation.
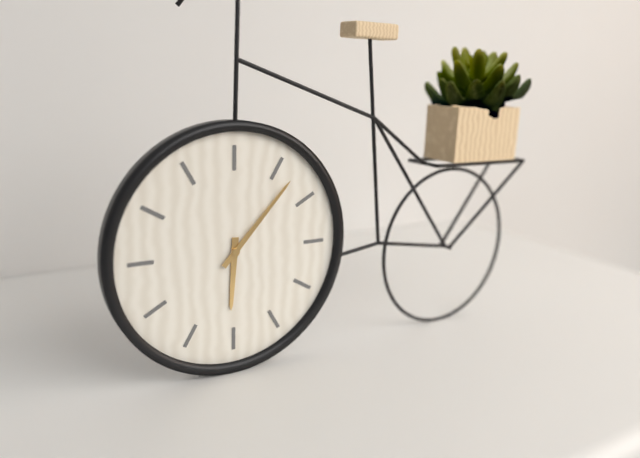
6 h 07 min
